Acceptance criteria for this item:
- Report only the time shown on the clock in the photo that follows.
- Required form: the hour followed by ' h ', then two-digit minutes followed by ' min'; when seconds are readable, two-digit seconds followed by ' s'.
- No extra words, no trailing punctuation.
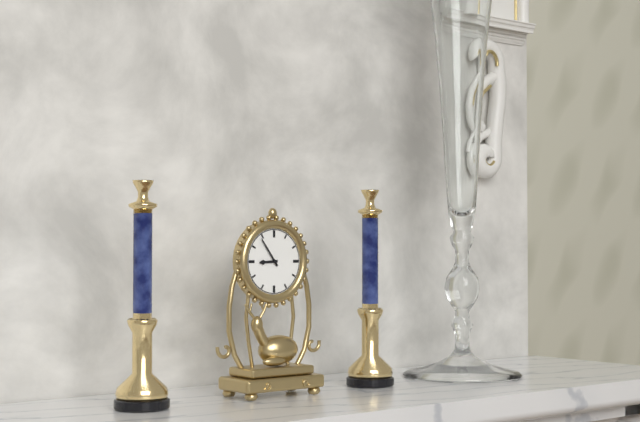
8 h 54 min
